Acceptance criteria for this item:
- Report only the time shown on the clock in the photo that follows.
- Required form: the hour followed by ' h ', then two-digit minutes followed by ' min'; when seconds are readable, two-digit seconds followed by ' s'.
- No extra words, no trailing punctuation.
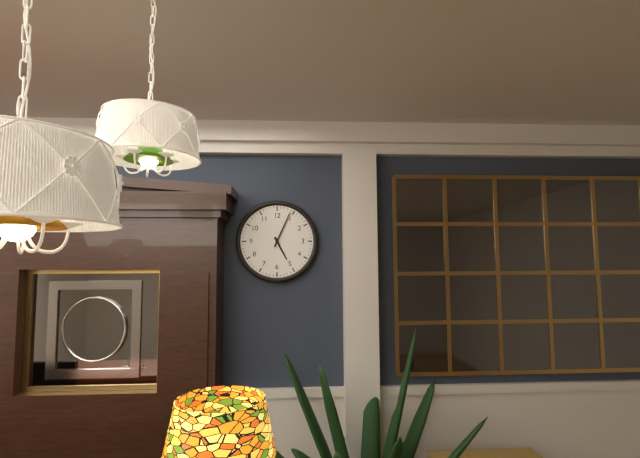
5 h 04 min
